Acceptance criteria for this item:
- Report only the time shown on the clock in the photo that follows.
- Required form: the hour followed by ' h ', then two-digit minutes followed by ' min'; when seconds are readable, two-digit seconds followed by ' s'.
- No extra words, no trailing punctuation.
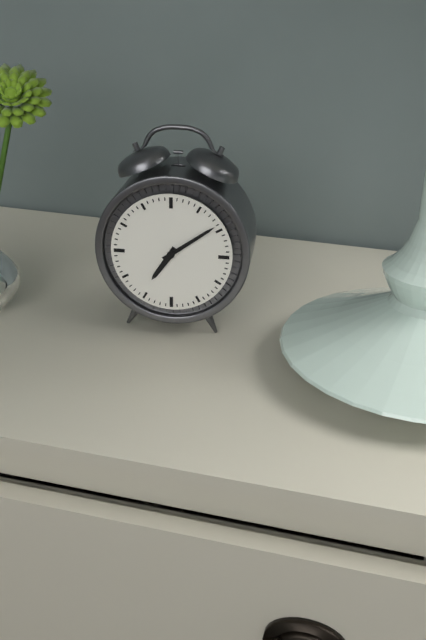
7 h 09 min
